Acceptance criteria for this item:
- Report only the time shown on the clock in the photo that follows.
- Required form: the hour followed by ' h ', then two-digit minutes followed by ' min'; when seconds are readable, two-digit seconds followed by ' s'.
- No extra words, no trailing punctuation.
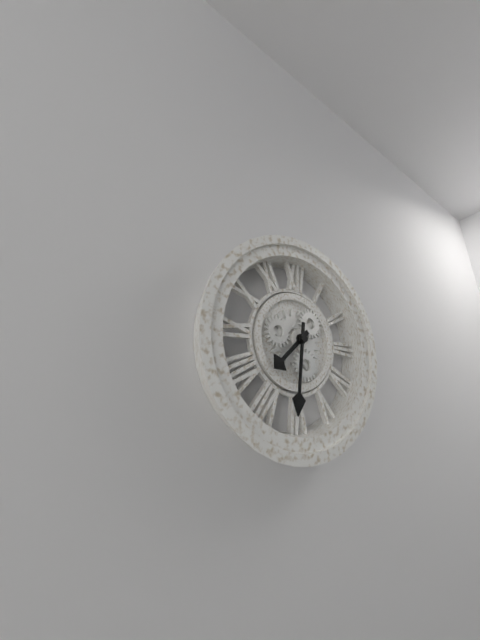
7 h 31 min
